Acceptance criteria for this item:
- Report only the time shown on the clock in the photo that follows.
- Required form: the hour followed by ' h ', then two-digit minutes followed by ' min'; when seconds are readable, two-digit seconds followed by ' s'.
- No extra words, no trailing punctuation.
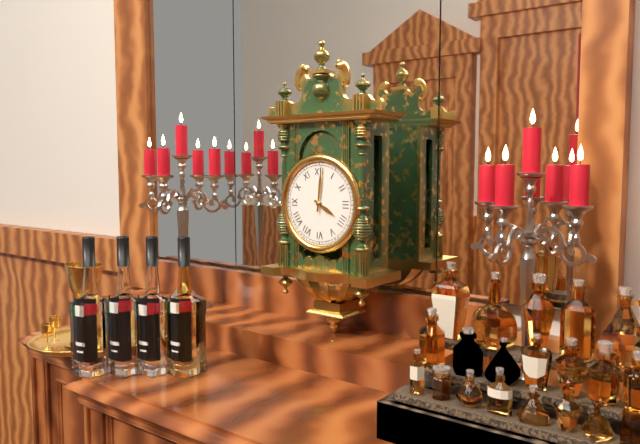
4 h 01 min
